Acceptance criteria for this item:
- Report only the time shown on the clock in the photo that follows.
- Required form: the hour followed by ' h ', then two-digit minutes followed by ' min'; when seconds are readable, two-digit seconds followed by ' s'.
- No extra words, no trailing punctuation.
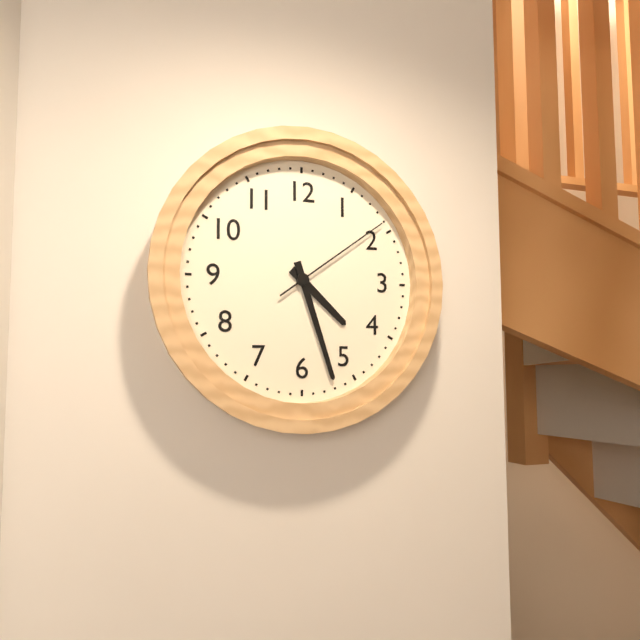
4 h 27 min 09 s
